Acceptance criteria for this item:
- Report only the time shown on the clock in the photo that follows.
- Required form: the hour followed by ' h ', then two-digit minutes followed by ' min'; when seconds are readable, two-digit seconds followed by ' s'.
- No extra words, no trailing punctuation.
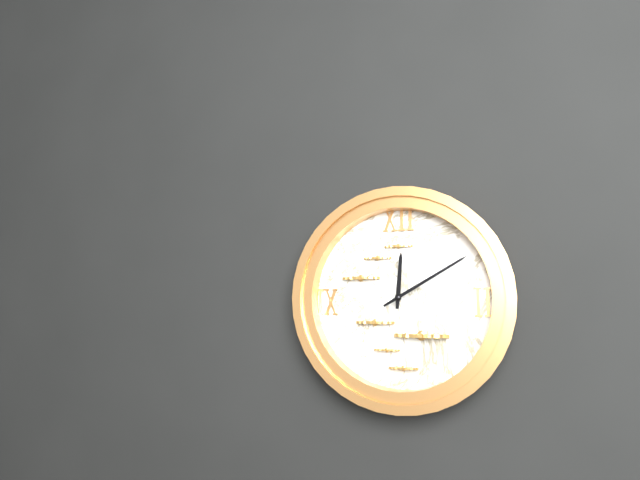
12 h 10 min
